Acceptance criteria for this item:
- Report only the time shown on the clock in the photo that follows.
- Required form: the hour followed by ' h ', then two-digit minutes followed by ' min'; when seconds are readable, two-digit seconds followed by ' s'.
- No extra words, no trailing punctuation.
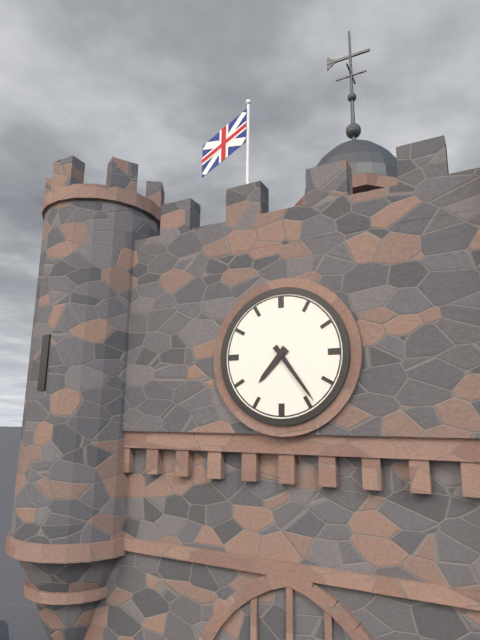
7 h 24 min
